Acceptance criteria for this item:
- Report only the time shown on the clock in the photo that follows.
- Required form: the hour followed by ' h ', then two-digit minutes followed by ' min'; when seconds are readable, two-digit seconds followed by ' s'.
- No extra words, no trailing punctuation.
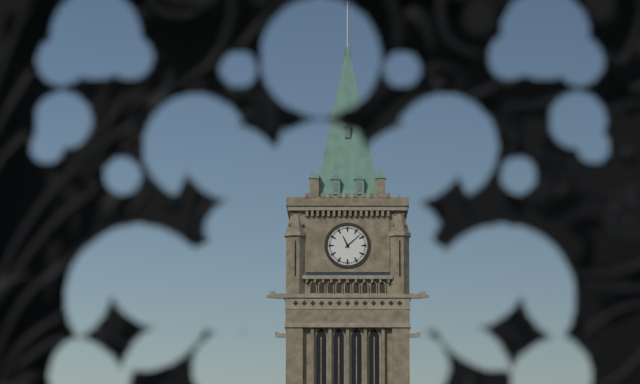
11 h 08 min
